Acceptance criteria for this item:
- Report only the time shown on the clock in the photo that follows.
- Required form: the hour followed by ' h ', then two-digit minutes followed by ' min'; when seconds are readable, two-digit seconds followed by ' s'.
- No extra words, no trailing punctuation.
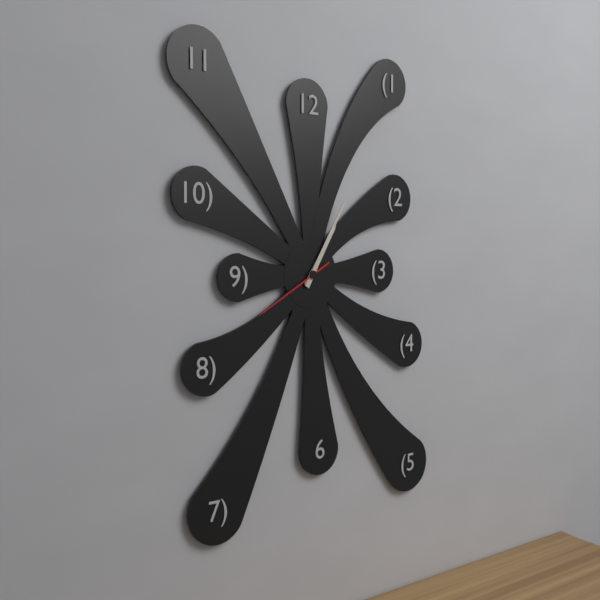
1 h 05 min 40 s
